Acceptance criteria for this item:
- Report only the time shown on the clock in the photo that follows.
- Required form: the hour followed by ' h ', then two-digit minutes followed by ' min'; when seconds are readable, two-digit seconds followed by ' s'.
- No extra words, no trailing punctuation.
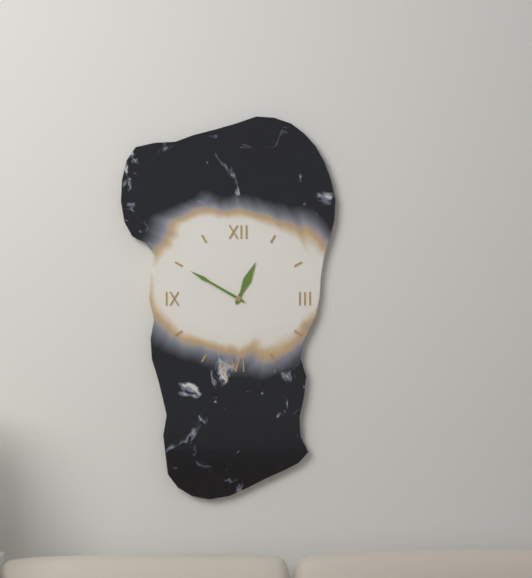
12 h 50 min
